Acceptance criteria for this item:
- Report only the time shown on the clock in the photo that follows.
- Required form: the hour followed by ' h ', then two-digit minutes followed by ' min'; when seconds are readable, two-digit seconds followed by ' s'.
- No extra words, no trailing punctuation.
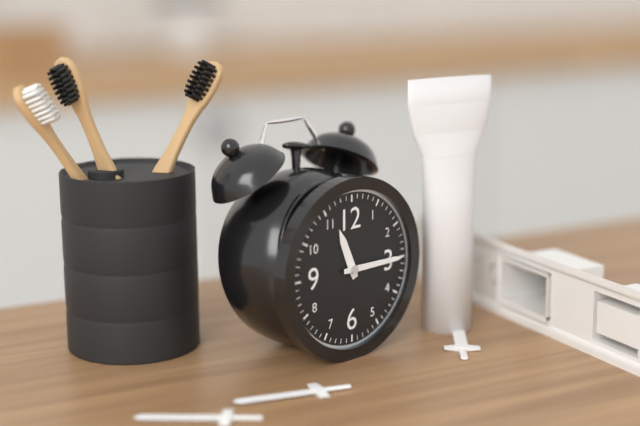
11 h 15 min
